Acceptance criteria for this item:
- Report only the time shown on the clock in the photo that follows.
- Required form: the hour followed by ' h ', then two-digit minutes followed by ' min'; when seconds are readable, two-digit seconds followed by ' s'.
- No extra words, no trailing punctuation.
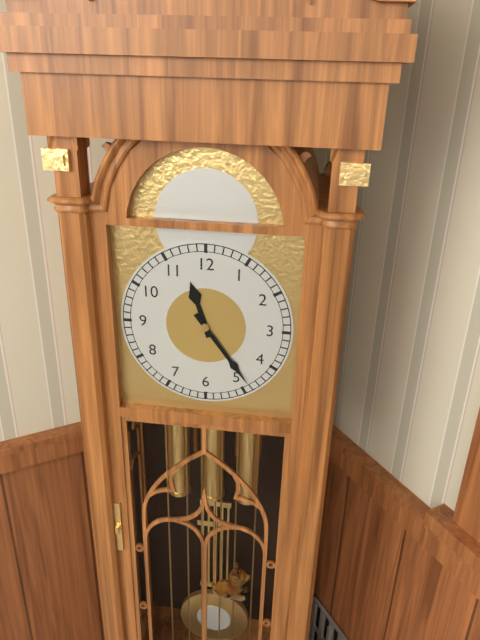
11 h 24 min
